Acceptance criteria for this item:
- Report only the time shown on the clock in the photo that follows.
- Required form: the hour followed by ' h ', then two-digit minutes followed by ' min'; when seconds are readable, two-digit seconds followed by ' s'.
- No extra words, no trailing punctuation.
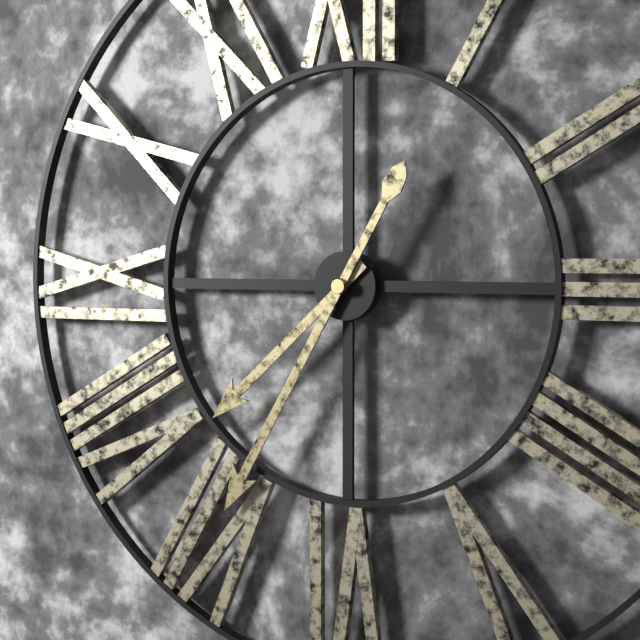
7 h 35 min
